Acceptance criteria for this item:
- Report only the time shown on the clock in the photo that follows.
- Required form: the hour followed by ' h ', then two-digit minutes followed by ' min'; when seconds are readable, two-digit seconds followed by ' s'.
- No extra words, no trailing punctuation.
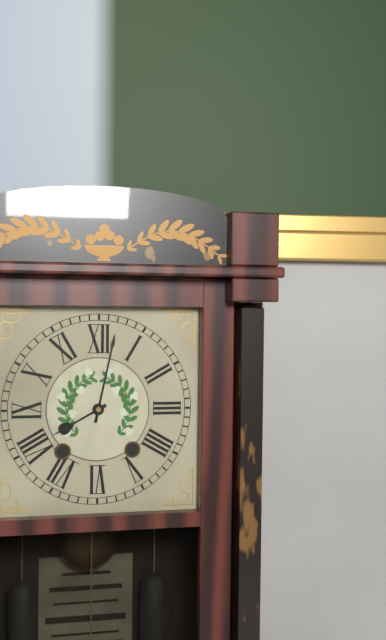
8 h 02 min
